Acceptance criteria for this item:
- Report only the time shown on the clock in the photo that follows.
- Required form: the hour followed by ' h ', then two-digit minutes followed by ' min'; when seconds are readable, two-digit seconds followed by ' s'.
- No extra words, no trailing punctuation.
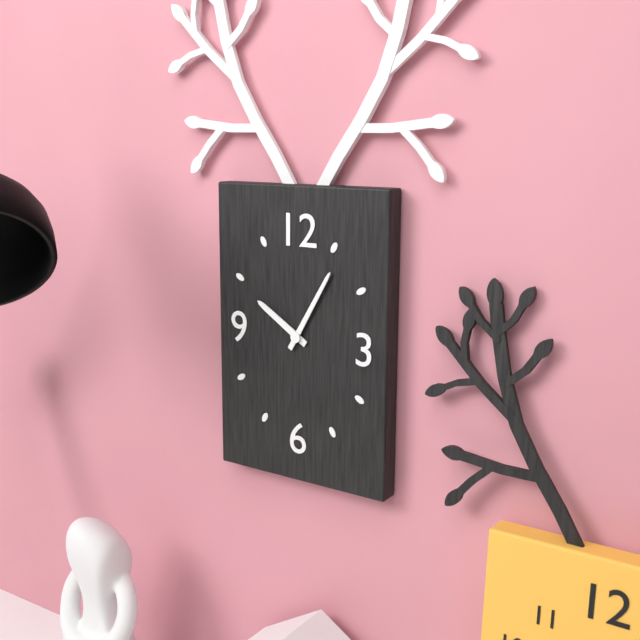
10 h 05 min
